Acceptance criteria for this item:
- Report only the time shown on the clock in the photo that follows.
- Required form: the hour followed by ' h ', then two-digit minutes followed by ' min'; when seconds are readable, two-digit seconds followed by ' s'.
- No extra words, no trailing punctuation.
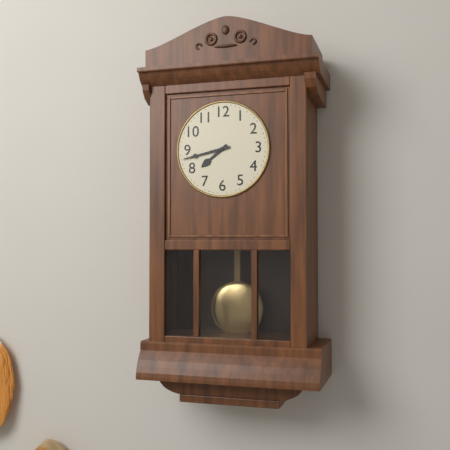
7 h 43 min
